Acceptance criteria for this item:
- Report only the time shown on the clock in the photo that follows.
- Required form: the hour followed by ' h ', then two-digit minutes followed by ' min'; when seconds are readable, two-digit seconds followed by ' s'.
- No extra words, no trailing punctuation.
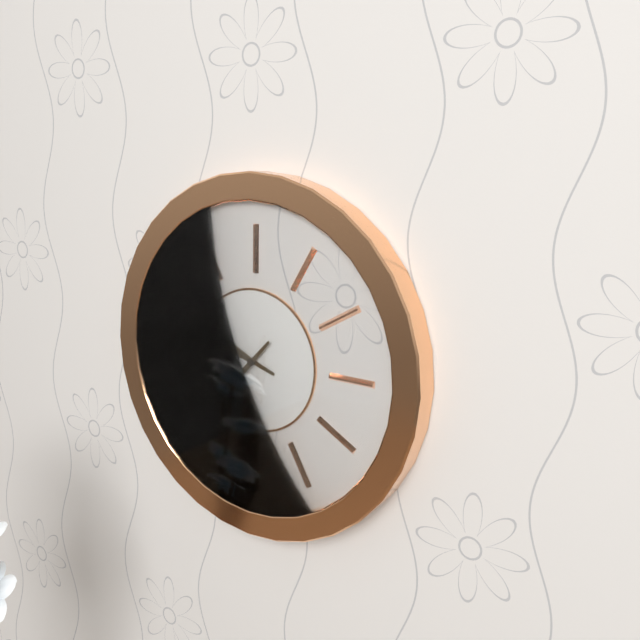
9 h 37 min
